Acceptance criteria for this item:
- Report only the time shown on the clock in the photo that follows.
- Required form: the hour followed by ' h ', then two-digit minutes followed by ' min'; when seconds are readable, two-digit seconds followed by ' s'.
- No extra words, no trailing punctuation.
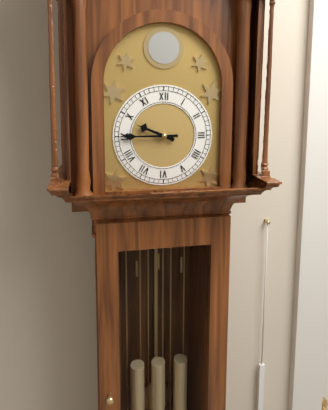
9 h 45 min
